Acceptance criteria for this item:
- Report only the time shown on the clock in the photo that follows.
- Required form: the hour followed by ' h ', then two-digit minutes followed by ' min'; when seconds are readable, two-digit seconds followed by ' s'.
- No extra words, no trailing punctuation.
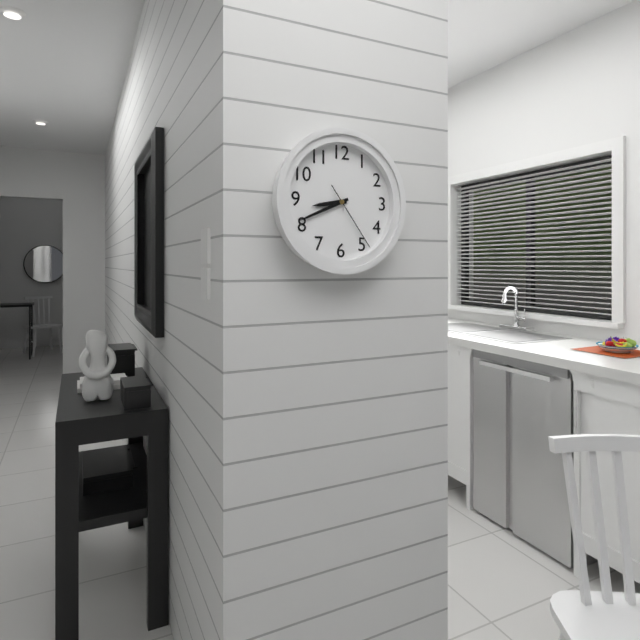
8 h 41 min 24 s
